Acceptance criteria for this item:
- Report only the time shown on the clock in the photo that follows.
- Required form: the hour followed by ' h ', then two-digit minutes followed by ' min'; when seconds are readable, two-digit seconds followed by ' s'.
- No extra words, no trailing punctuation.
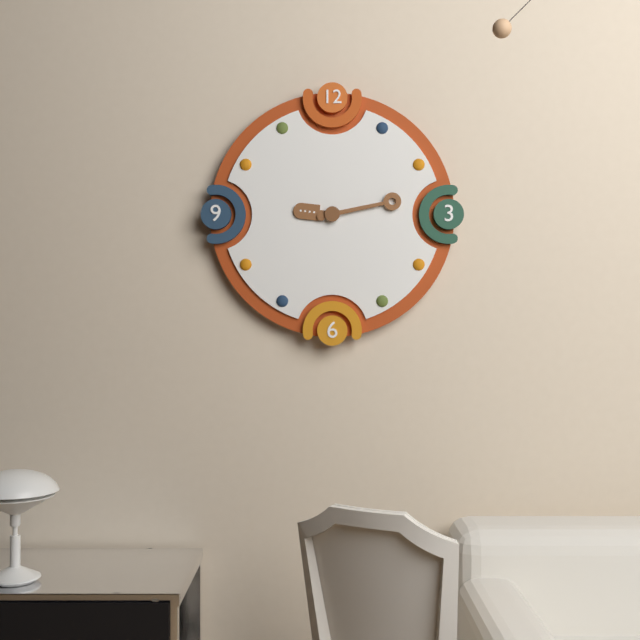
9 h 13 min
